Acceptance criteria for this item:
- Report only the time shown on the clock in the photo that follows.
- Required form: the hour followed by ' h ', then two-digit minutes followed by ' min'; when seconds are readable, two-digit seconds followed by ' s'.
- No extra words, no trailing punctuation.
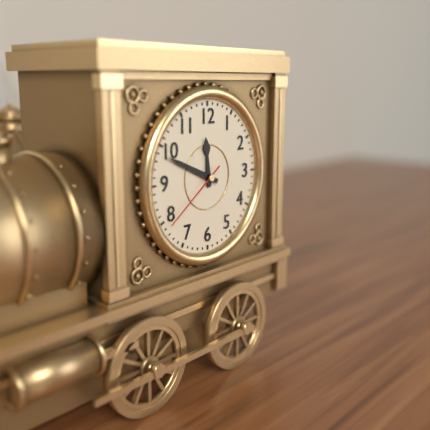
11 h 49 min 39 s
